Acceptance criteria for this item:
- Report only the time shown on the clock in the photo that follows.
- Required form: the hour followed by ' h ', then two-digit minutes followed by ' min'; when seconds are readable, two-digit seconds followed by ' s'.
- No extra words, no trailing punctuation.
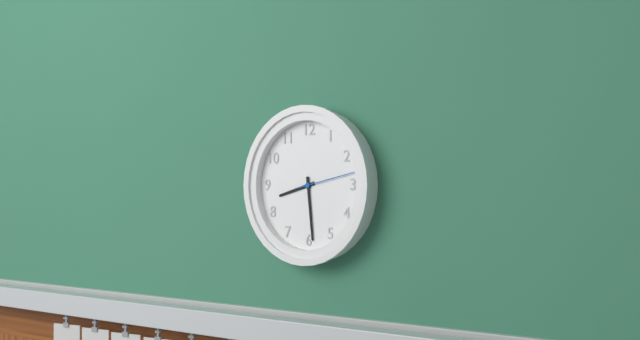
8 h 29 min 13 s
